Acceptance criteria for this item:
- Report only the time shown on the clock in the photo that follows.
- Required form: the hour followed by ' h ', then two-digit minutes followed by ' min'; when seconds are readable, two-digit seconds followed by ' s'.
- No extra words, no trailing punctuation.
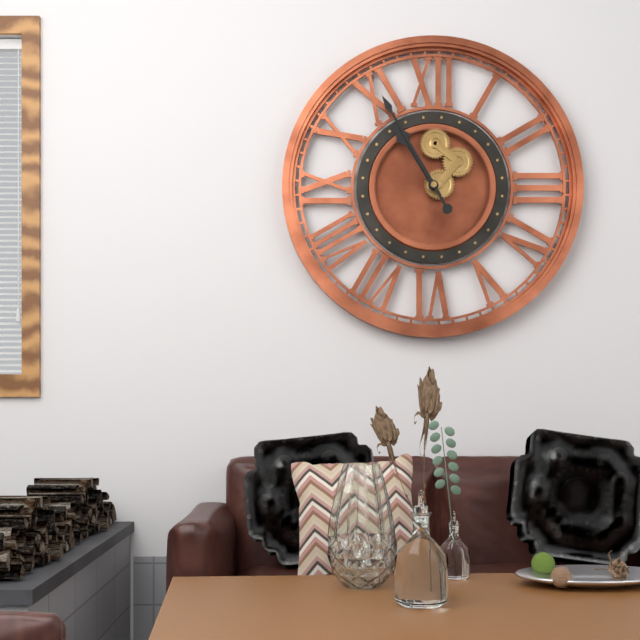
10 h 55 min
